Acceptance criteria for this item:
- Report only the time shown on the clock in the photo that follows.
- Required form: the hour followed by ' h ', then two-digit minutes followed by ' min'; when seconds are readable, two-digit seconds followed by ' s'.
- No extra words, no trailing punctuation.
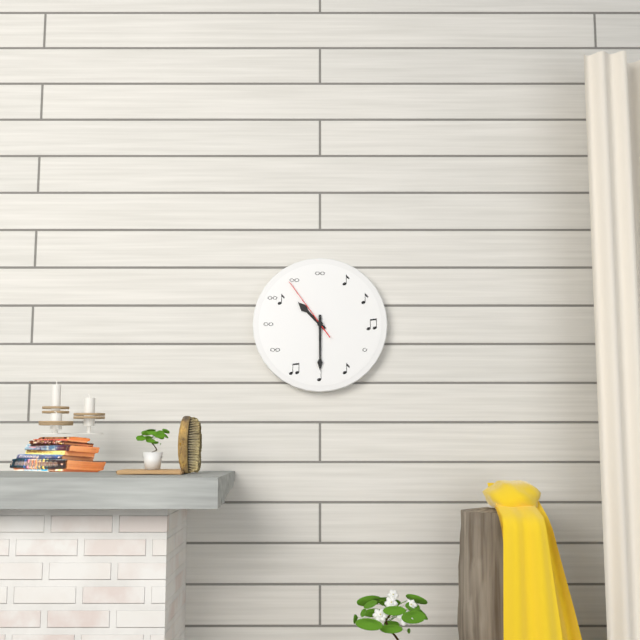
10 h 30 min 54 s
